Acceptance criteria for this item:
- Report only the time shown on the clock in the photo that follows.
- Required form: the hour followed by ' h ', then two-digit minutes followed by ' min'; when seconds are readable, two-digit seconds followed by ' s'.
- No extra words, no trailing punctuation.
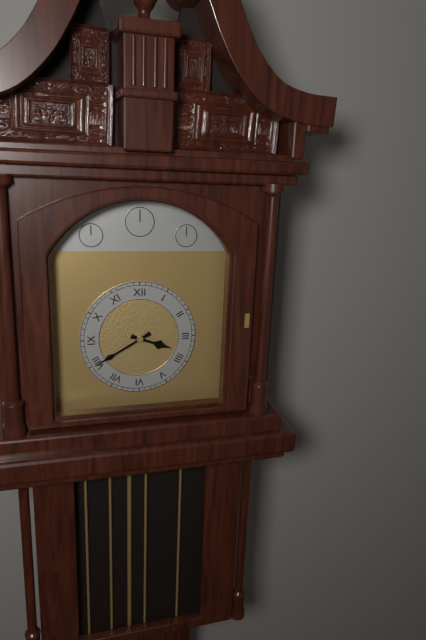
3 h 40 min
